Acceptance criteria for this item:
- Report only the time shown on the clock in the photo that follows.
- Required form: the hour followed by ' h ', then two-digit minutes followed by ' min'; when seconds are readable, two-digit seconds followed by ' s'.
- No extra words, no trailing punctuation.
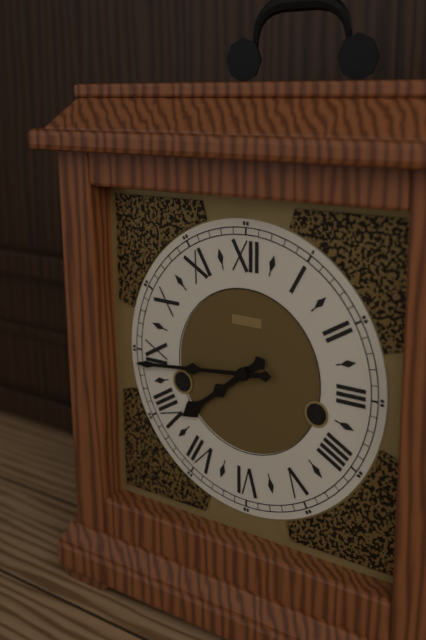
7 h 44 min
